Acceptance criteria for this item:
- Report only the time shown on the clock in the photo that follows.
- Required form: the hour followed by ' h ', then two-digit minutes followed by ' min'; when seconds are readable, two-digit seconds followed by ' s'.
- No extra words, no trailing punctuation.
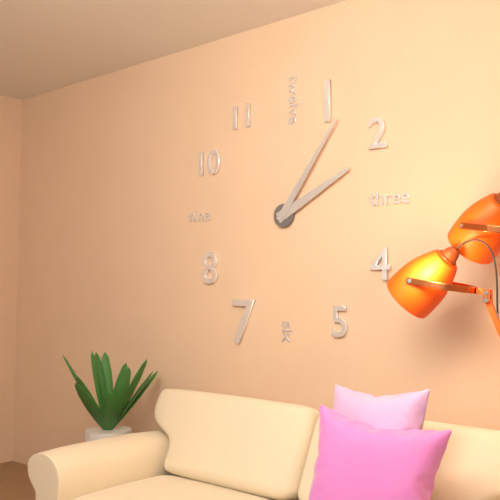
2 h 06 min
